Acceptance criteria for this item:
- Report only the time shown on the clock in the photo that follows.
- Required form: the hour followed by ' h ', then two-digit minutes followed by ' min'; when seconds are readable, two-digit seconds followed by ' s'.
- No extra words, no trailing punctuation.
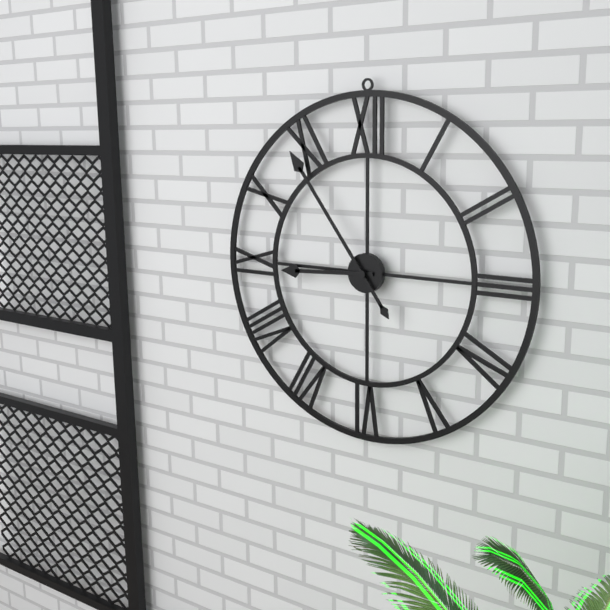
8 h 54 min
